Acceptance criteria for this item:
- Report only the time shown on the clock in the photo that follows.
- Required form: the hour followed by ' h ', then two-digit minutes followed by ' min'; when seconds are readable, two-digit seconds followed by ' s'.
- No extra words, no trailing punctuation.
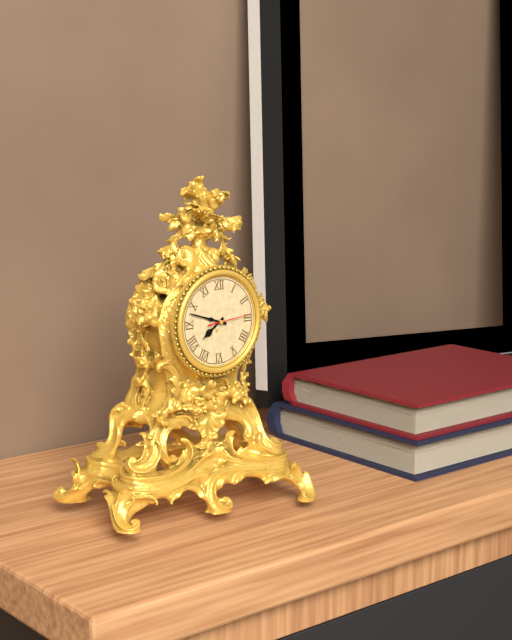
7 h 48 min
